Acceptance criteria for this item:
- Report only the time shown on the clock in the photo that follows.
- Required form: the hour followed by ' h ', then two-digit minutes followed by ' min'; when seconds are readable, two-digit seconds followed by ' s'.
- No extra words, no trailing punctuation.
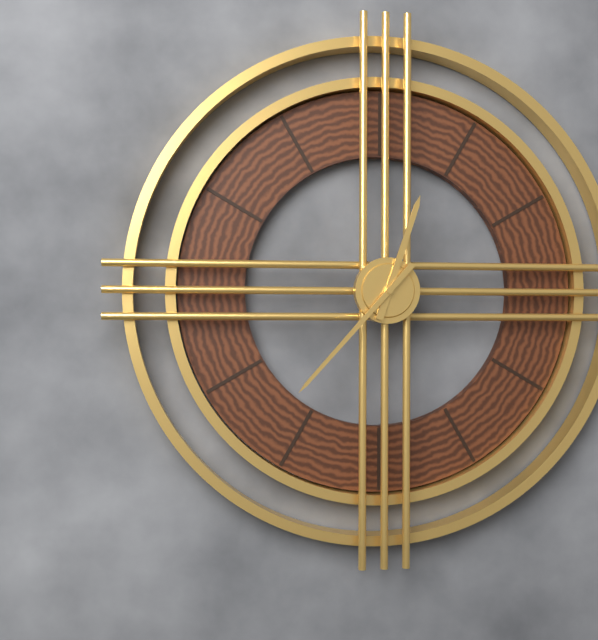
12 h 37 min
